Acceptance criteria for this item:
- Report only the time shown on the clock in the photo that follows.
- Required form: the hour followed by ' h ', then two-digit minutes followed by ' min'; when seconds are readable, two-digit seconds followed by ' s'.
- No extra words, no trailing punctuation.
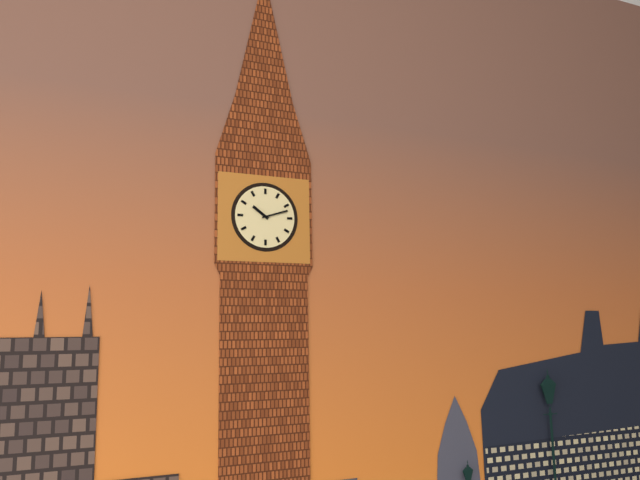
10 h 12 min
